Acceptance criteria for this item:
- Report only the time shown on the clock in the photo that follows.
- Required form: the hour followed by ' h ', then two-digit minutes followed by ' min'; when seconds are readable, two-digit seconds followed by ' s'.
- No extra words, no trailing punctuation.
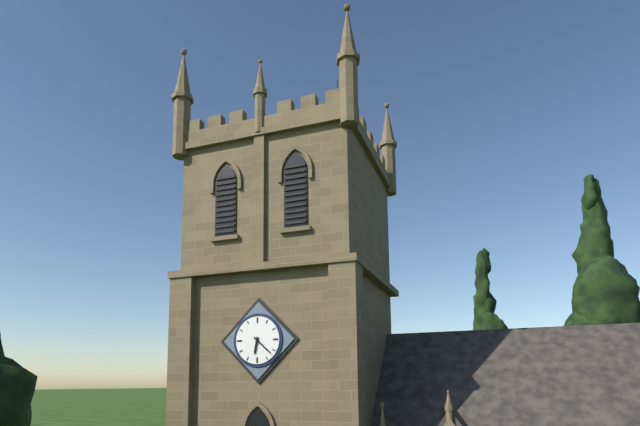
6 h 22 min
